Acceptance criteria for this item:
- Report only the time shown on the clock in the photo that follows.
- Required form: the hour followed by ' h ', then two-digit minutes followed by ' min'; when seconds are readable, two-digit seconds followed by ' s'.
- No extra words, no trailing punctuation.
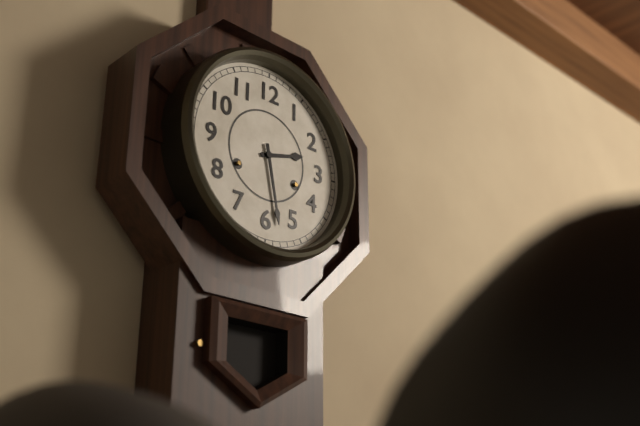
2 h 28 min
